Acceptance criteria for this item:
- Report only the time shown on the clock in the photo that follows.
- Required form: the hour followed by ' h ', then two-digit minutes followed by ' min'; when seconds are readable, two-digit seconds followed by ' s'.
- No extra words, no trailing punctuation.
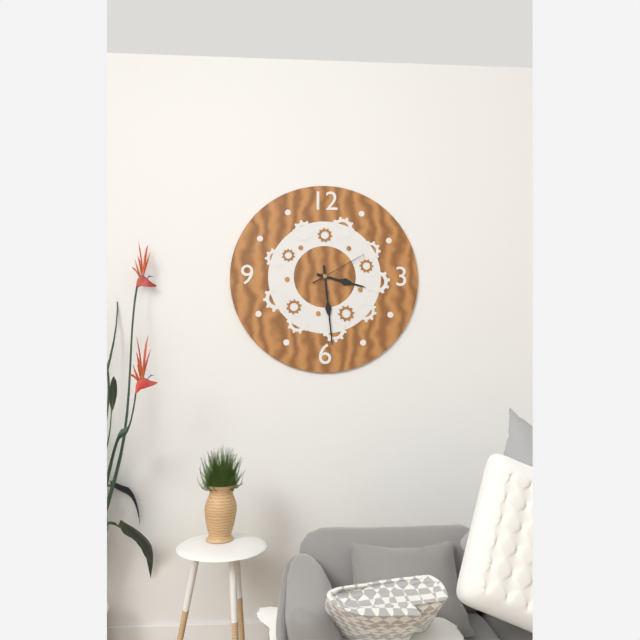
3 h 29 min 10 s
